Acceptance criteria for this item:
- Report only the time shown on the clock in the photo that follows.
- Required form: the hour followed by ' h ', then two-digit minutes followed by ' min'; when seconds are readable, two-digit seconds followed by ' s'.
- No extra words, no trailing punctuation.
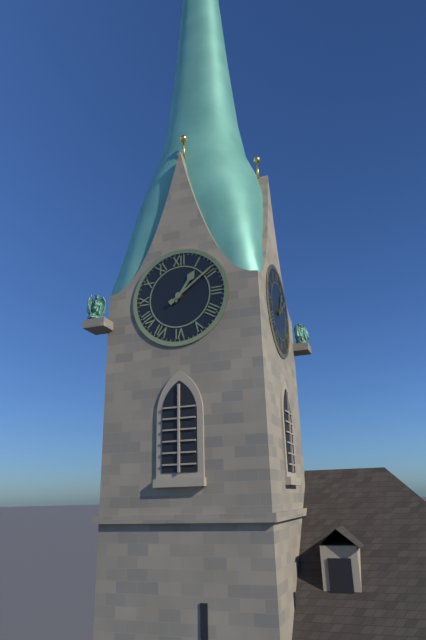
1 h 09 min
